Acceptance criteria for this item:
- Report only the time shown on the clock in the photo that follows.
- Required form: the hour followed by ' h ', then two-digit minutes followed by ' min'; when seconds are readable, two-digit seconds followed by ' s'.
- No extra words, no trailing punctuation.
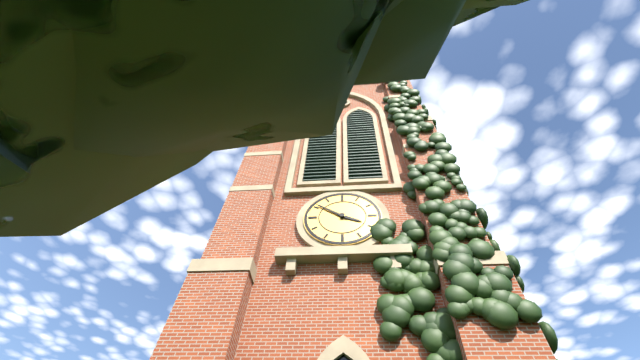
3 h 51 min
